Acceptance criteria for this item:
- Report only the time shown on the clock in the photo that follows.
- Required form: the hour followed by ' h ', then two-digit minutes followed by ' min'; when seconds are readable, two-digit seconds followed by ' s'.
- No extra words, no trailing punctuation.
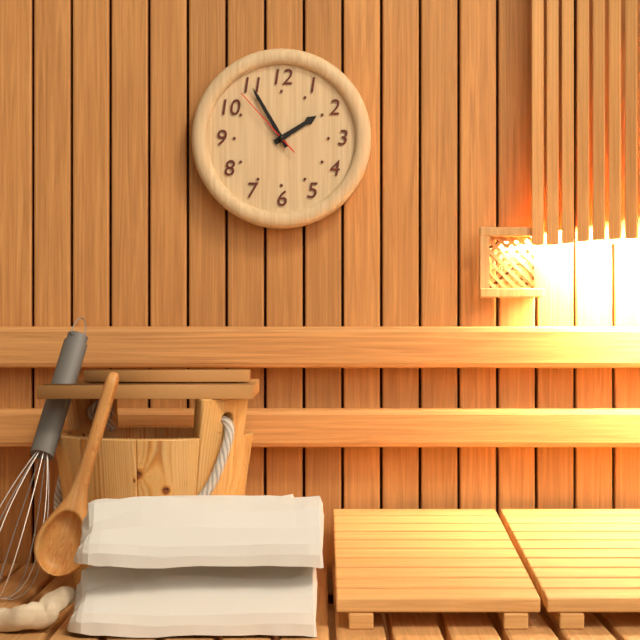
1 h 55 min 53 s
